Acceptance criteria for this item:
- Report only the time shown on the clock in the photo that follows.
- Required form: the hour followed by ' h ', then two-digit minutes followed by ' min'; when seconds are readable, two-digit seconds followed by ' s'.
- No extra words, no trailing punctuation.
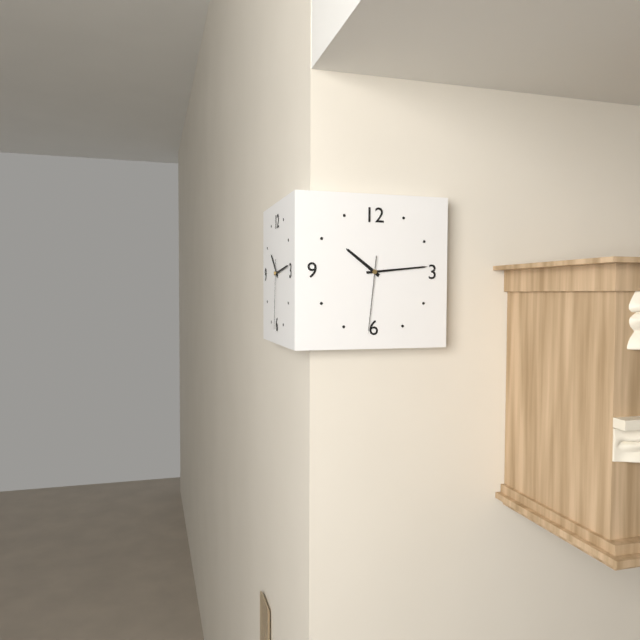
10 h 14 min 31 s
